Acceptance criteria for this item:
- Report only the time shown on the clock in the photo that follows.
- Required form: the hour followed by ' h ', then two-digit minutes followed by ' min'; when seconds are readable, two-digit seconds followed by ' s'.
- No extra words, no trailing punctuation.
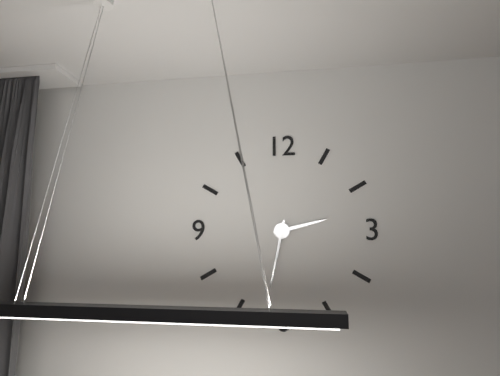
2 h 32 min
